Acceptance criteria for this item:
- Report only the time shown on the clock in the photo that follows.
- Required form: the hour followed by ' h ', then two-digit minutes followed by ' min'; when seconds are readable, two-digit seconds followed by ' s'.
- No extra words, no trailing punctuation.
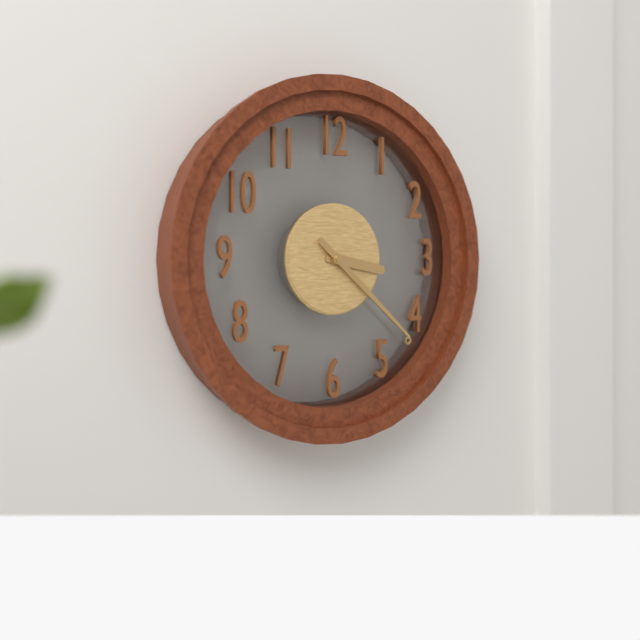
3 h 22 min
